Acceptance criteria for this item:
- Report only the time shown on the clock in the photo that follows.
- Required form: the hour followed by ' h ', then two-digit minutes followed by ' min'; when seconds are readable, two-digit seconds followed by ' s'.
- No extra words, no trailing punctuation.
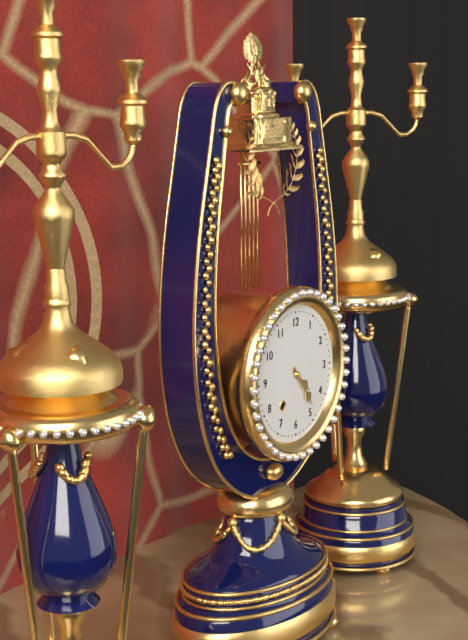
4 h 24 min
